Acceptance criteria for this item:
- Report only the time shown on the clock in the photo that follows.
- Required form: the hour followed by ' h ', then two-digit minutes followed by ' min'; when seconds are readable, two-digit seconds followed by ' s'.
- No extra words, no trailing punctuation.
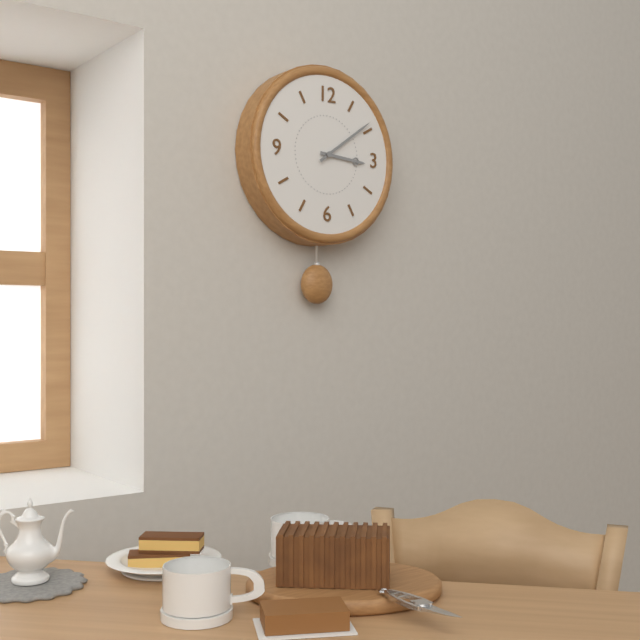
3 h 09 min
